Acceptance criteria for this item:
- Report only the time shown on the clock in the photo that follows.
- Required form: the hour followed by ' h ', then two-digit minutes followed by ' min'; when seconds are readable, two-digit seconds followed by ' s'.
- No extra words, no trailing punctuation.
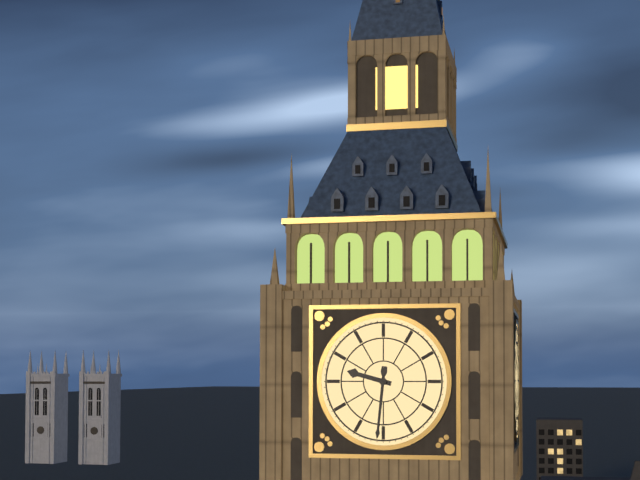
9 h 31 min
